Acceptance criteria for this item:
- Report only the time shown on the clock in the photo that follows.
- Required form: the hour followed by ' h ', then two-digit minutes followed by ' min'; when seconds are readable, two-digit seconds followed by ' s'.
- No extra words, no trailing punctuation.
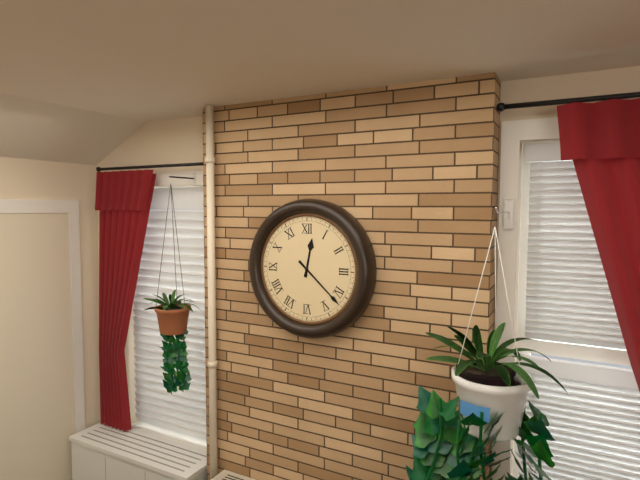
12 h 22 min
